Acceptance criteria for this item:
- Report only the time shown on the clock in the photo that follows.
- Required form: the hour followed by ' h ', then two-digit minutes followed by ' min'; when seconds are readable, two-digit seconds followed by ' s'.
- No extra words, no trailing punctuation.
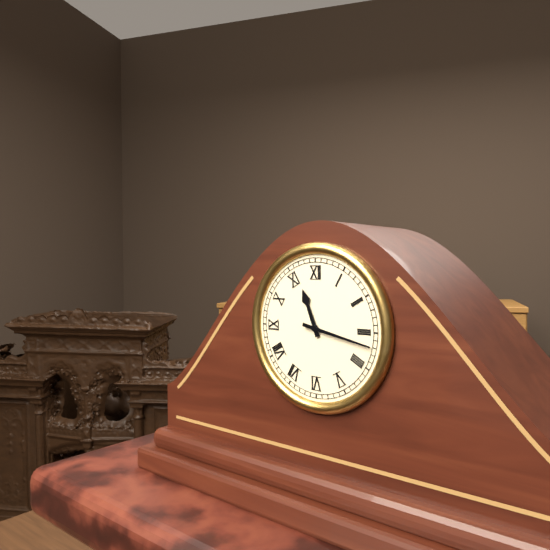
11 h 17 min
